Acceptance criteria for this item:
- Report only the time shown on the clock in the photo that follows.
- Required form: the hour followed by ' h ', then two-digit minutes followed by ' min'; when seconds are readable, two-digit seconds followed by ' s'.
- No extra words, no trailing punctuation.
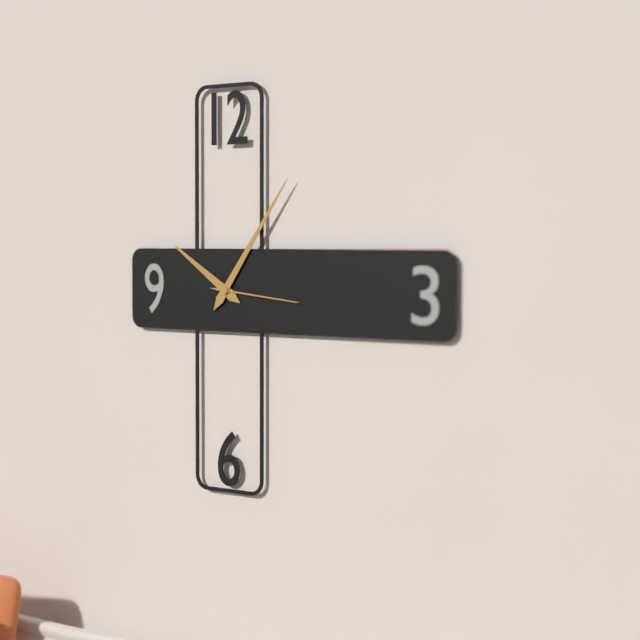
10 h 06 min 16 s
